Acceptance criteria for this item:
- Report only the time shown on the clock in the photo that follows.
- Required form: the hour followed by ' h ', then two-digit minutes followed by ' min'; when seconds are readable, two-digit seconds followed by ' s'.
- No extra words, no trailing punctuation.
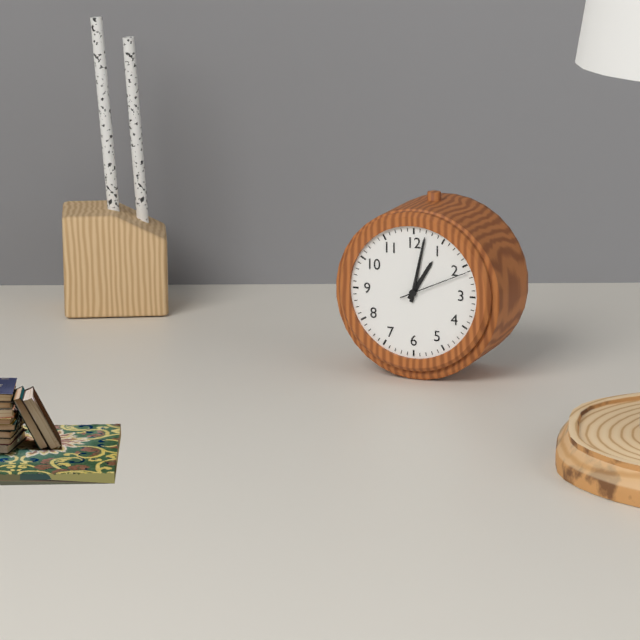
1 h 02 min 11 s
